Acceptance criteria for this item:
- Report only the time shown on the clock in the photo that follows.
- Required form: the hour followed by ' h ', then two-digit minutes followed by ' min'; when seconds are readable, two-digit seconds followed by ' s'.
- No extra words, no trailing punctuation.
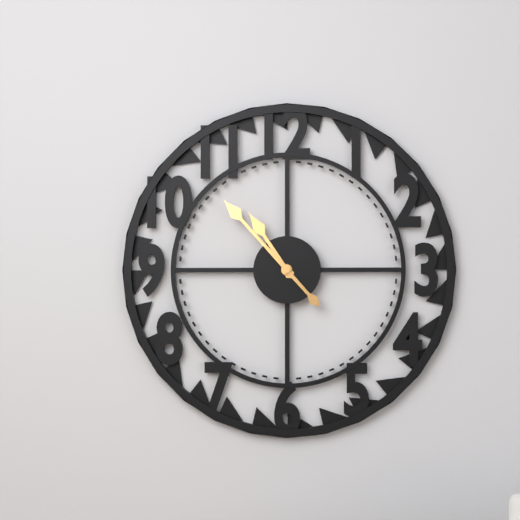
10 h 53 min
